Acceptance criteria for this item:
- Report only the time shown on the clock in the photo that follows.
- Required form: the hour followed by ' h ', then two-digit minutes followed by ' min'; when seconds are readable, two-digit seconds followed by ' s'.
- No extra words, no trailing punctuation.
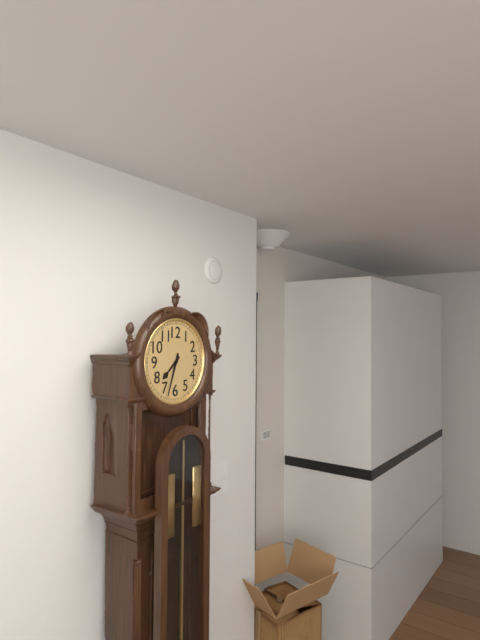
7 h 33 min
